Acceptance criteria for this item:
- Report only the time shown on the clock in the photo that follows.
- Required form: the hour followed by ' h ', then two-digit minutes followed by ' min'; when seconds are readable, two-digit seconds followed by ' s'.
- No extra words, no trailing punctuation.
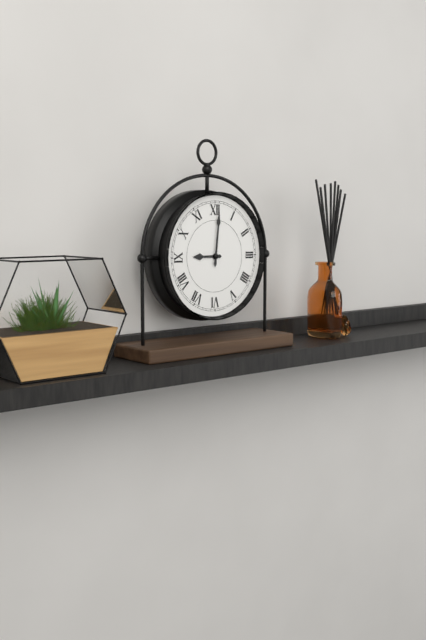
9 h 01 min
